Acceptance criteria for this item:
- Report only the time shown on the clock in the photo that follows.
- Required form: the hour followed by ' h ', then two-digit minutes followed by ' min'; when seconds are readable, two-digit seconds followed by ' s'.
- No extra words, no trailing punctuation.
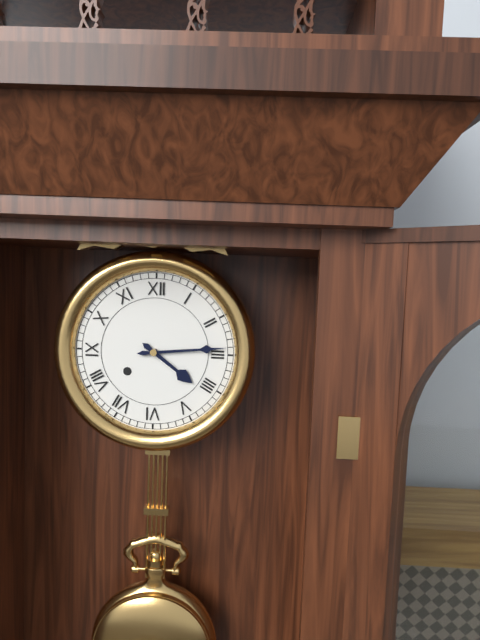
4 h 14 min
